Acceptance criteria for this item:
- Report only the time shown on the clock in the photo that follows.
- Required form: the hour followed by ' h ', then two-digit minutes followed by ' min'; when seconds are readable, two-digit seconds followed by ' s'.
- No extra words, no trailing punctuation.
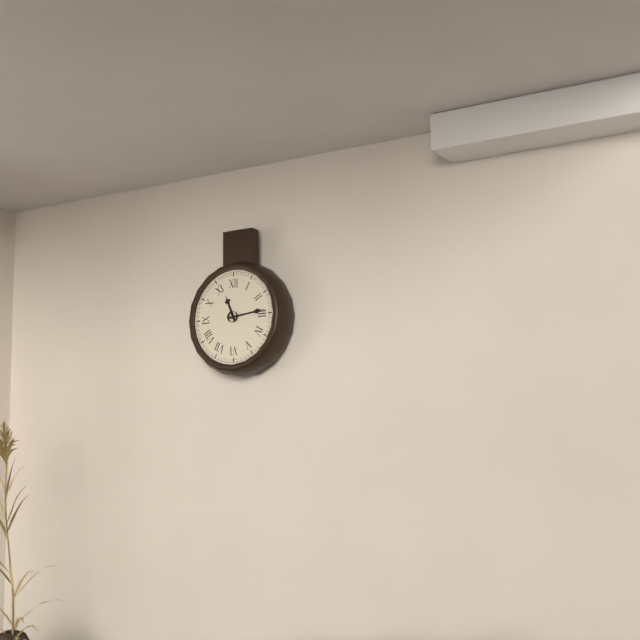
11 h 14 min
